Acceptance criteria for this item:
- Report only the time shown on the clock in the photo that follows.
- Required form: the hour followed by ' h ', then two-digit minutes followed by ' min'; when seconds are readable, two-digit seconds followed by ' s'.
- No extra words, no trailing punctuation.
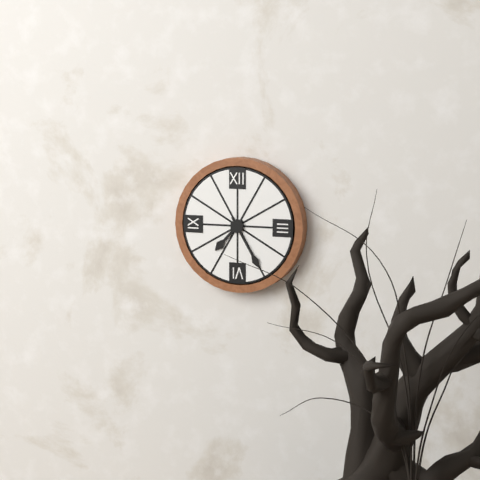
7 h 25 min
